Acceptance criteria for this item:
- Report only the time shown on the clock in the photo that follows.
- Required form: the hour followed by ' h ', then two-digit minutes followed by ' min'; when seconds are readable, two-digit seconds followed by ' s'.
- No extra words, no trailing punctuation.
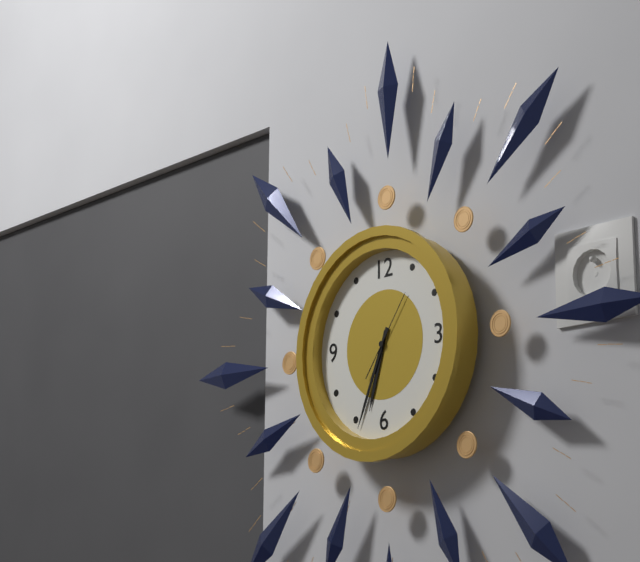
6 h 34 min 06 s
